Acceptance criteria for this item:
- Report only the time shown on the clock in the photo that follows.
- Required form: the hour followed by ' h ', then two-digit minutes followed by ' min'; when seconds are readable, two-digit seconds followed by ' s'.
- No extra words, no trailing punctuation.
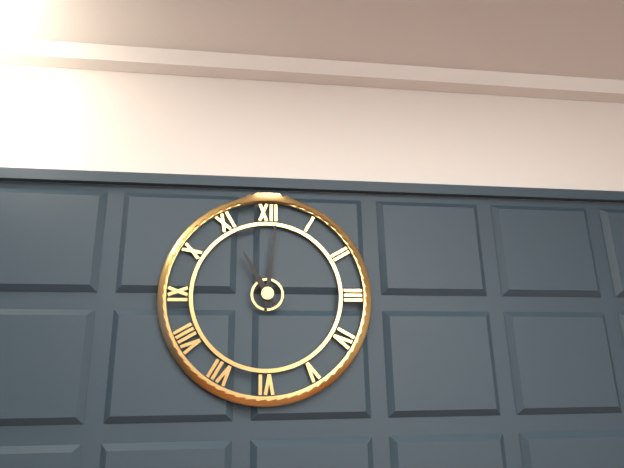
11 h 01 min
